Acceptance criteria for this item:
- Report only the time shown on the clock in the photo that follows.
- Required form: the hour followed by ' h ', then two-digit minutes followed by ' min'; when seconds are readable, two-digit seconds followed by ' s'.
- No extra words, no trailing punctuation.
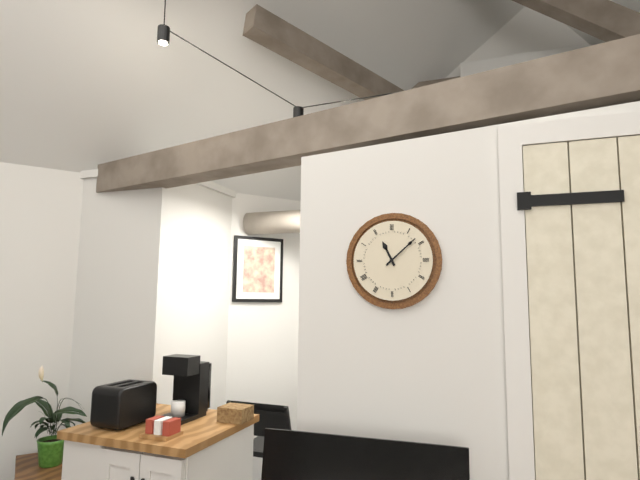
11 h 08 min
